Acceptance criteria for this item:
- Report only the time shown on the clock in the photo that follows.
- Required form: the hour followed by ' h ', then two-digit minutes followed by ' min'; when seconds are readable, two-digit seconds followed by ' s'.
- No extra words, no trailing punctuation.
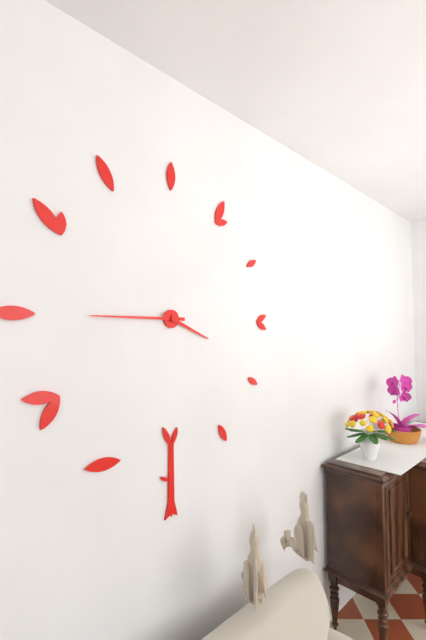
3 h 45 min
